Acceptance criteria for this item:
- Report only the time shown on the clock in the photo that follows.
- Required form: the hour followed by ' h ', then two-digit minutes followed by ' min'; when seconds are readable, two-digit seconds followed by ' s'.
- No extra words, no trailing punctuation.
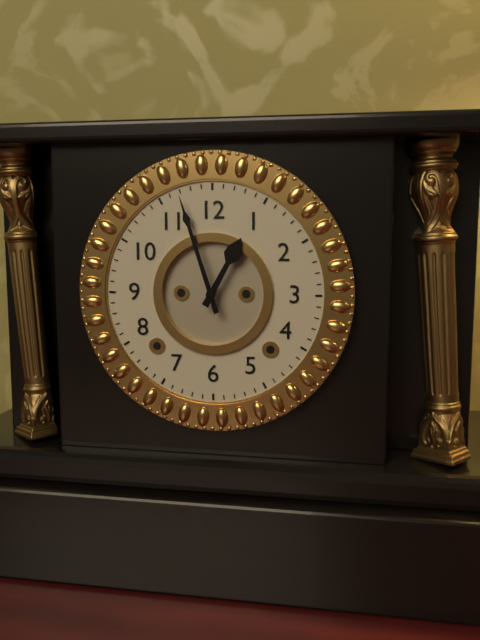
12 h 57 min
